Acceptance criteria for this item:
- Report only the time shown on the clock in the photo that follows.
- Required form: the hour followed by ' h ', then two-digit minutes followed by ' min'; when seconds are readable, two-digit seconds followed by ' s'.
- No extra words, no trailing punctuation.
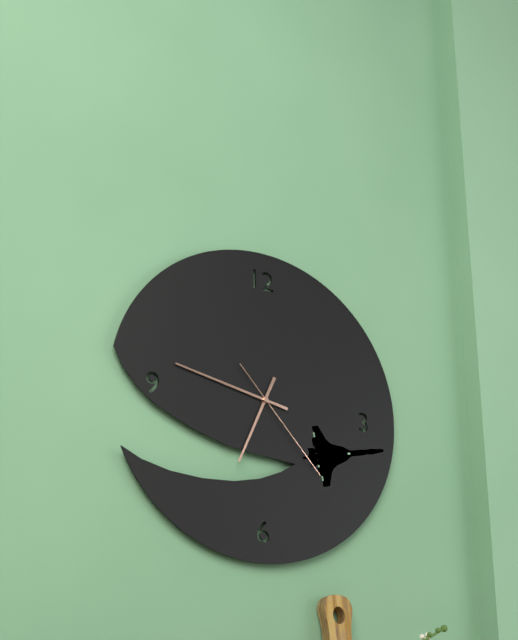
6 h 47 min 23 s
